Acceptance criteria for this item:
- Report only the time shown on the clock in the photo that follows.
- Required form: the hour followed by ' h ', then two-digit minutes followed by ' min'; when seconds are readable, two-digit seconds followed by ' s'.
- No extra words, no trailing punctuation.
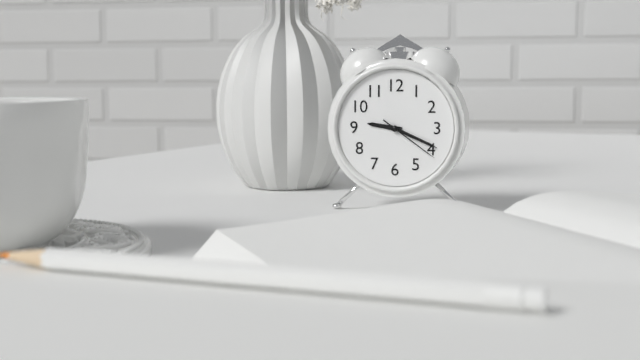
9 h 19 min 21 s
